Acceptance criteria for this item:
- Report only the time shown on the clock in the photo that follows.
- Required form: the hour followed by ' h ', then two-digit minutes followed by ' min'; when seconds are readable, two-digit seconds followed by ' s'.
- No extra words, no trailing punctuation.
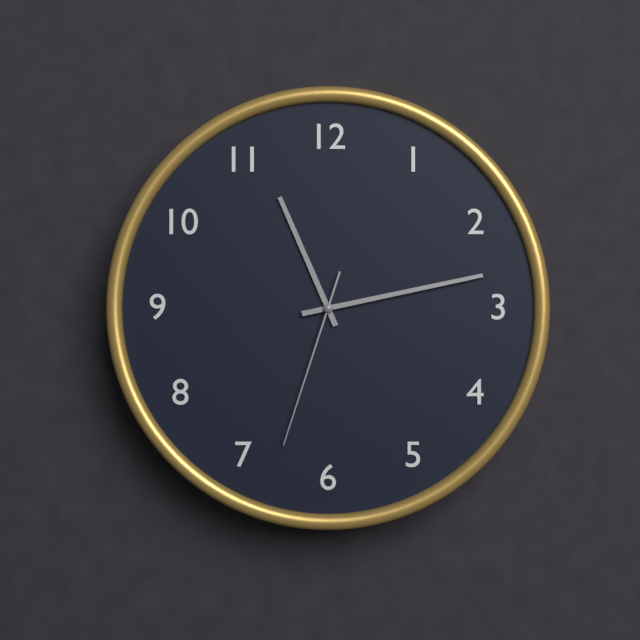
11 h 13 min 33 s
